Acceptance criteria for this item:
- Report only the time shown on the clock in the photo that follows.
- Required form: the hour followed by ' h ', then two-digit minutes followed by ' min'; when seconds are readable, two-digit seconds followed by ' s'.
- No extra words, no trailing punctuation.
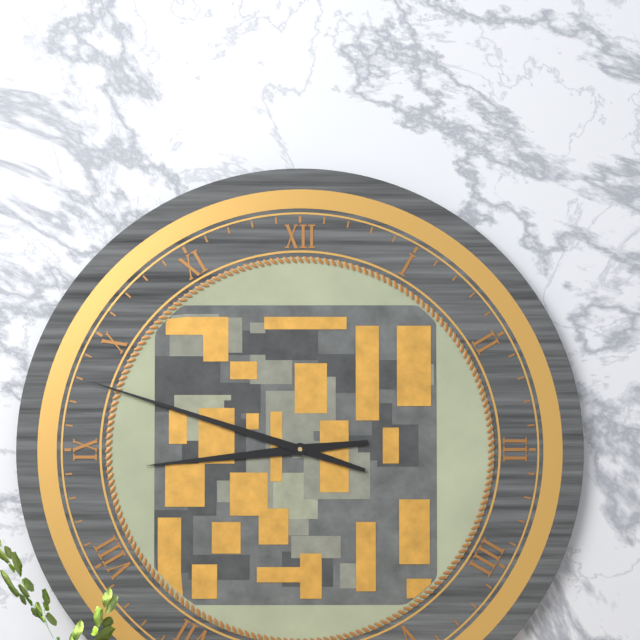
8 h 48 min
